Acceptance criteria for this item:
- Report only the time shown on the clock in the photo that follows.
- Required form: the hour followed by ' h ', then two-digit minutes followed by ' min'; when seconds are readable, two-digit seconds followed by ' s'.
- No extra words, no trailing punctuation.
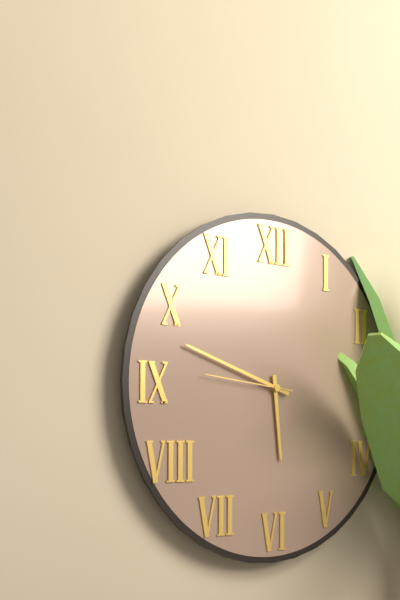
5 h 48 min 46 s
